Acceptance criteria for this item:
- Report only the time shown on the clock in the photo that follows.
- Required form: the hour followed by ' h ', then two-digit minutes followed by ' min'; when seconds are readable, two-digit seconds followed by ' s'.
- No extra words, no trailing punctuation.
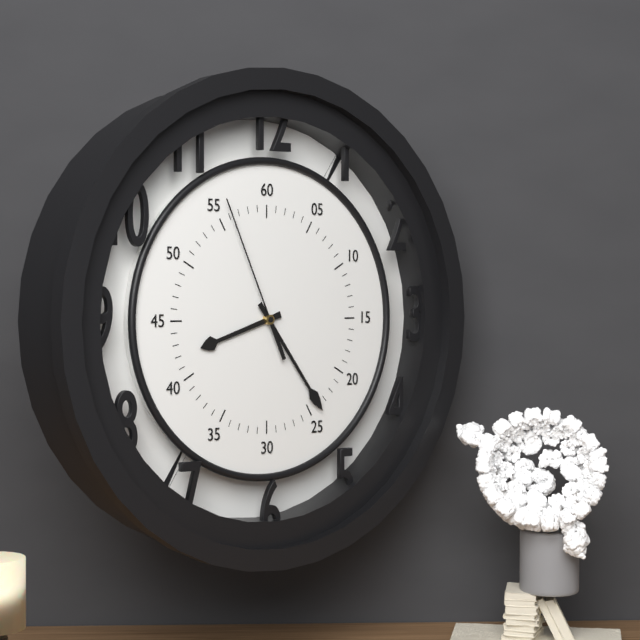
8 h 24 min 56 s
